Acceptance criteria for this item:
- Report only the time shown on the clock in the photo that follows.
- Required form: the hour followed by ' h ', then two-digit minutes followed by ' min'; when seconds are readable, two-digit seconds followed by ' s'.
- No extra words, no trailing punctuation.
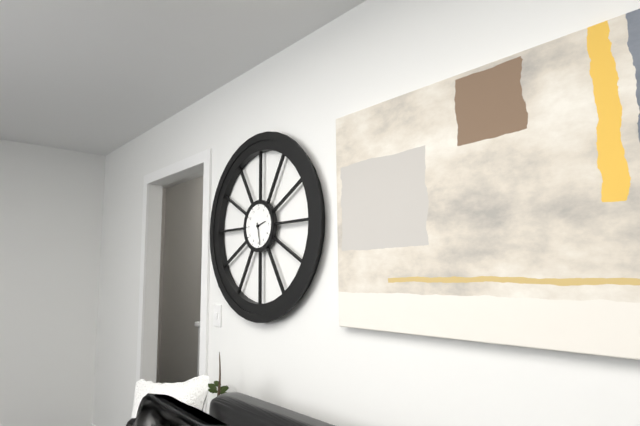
2 h 28 min
